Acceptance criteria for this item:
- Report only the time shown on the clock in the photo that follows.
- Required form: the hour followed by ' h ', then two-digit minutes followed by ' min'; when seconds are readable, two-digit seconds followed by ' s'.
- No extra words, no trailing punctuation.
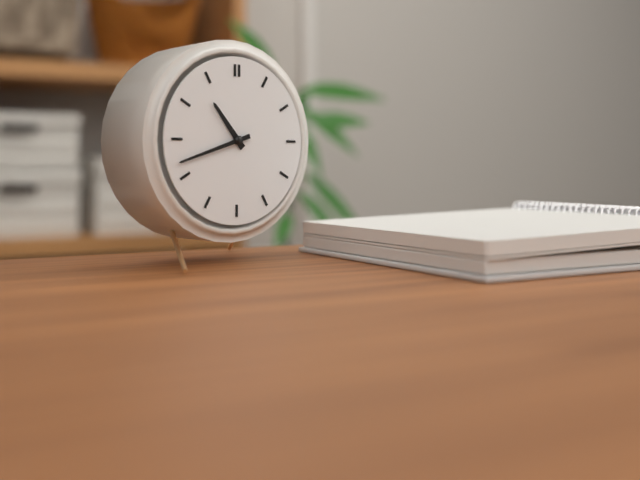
10 h 42 min
